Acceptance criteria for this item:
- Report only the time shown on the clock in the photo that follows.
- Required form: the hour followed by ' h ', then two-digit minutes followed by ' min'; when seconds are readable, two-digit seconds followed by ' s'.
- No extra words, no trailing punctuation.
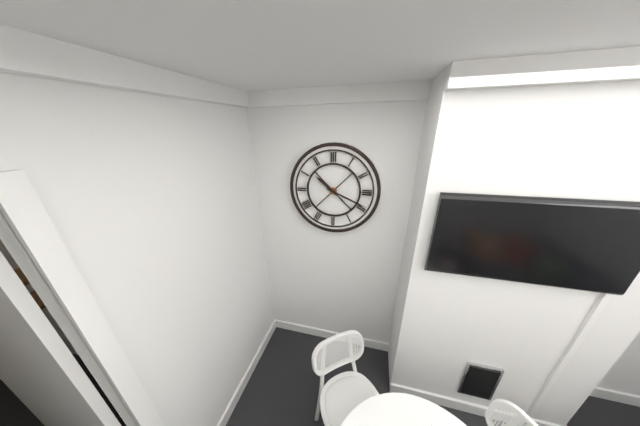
10 h 19 min
